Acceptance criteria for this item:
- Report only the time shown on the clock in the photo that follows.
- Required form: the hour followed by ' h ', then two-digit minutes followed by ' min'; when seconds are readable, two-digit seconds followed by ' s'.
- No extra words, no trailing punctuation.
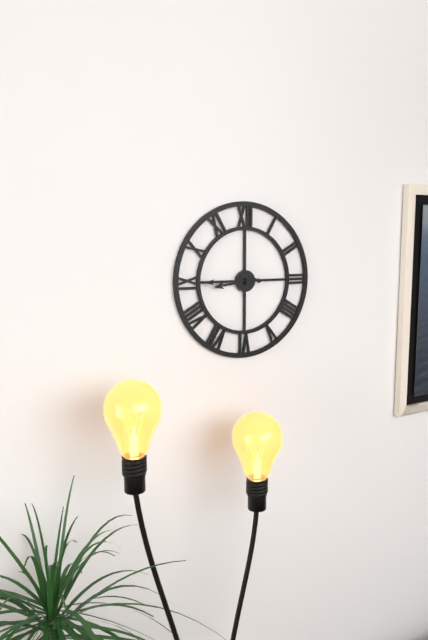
8 h 45 min
